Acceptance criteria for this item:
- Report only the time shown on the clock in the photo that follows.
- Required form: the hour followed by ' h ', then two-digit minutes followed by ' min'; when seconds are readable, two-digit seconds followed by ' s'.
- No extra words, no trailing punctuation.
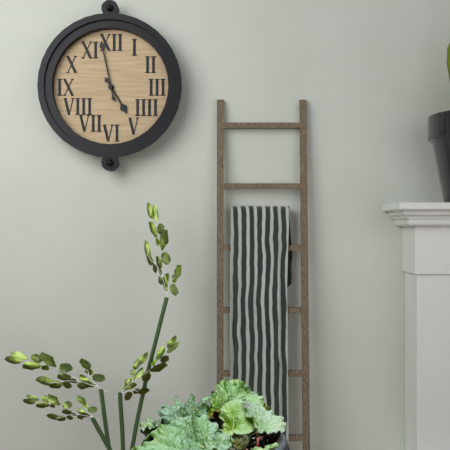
4 h 58 min
